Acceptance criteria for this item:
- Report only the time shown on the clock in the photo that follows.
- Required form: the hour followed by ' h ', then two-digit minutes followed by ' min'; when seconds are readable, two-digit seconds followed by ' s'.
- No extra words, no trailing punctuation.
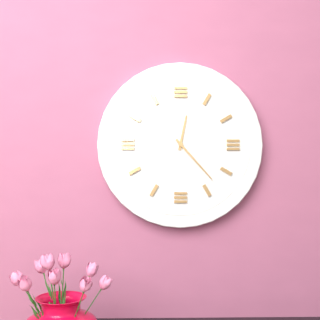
12 h 23 min
